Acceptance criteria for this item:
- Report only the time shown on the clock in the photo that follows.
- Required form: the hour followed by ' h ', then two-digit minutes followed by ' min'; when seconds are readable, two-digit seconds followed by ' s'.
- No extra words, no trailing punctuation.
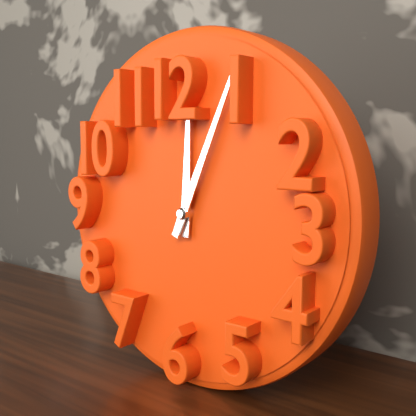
12 h 04 min
